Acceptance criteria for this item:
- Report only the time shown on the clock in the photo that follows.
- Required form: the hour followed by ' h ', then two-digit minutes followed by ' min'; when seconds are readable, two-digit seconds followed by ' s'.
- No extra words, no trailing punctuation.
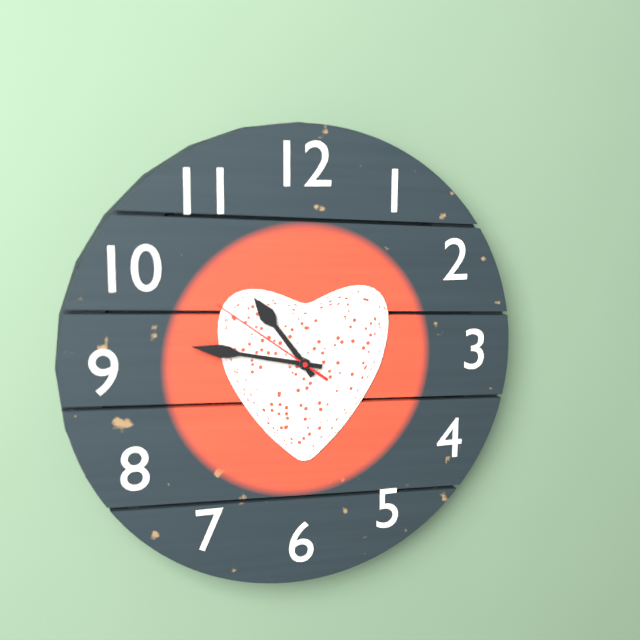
10 h 47 min 51 s
